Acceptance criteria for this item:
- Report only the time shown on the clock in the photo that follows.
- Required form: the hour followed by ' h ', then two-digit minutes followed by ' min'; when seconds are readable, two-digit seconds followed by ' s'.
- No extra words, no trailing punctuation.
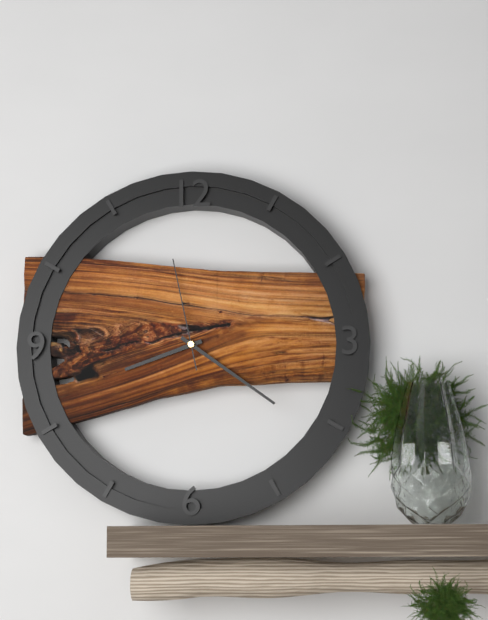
8 h 21 min 58 s
